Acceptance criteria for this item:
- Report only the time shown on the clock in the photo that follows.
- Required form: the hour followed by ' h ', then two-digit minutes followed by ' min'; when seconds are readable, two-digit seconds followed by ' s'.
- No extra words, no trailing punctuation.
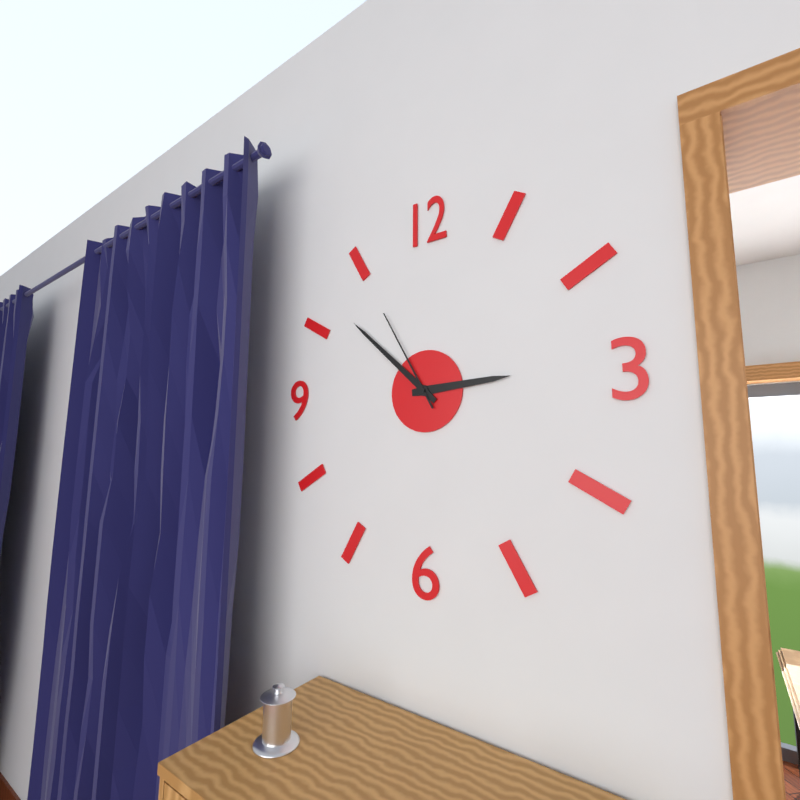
2 h 52 min 55 s
